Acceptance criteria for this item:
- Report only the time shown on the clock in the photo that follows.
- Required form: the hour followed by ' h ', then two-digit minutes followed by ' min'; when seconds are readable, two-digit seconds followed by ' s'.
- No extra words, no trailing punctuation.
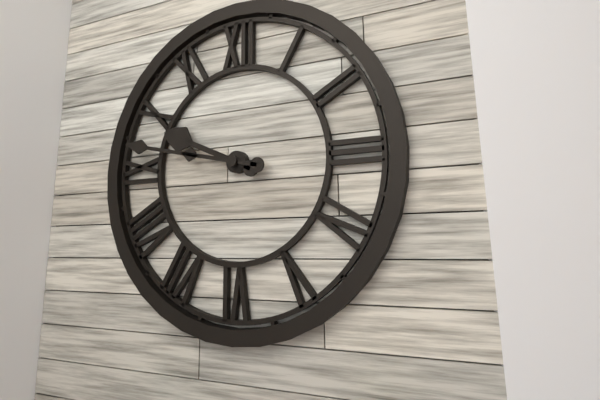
9 h 47 min
